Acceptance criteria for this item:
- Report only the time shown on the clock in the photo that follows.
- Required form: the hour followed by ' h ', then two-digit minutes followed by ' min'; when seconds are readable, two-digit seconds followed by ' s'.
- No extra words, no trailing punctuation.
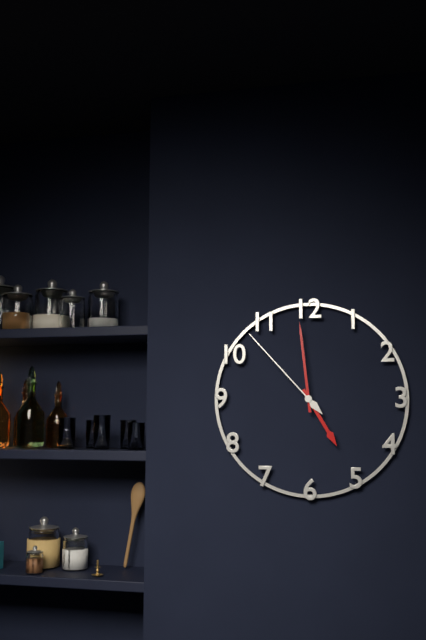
4 h 59 min 53 s
